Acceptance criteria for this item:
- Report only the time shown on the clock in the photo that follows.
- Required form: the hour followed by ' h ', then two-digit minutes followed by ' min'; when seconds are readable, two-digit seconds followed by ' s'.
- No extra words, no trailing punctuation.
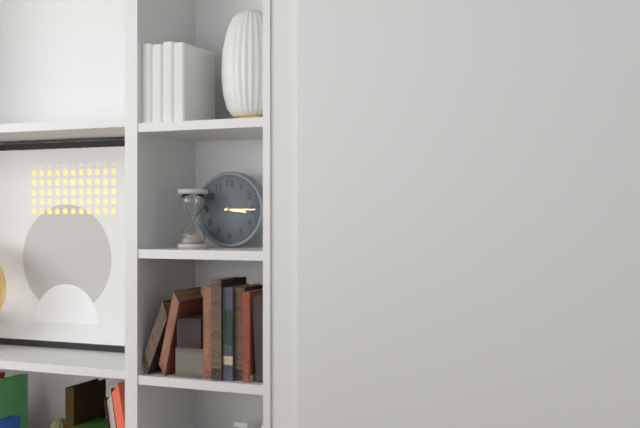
3 h 15 min
